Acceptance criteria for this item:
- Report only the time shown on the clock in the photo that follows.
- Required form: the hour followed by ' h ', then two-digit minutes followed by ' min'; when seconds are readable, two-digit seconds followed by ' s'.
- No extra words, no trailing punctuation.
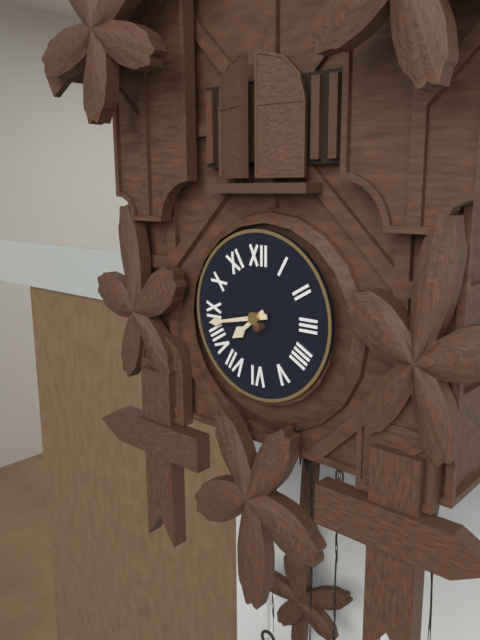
7 h 43 min
